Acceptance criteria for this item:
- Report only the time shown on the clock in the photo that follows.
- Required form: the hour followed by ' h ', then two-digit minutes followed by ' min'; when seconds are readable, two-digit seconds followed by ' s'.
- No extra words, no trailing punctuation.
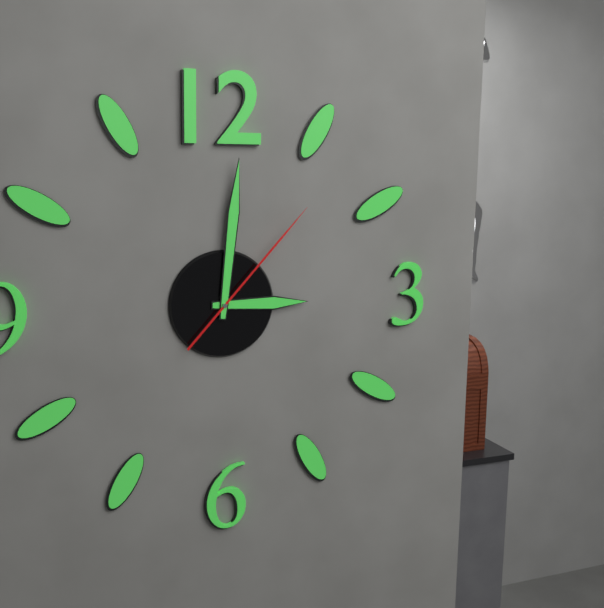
3 h 01 min 07 s
